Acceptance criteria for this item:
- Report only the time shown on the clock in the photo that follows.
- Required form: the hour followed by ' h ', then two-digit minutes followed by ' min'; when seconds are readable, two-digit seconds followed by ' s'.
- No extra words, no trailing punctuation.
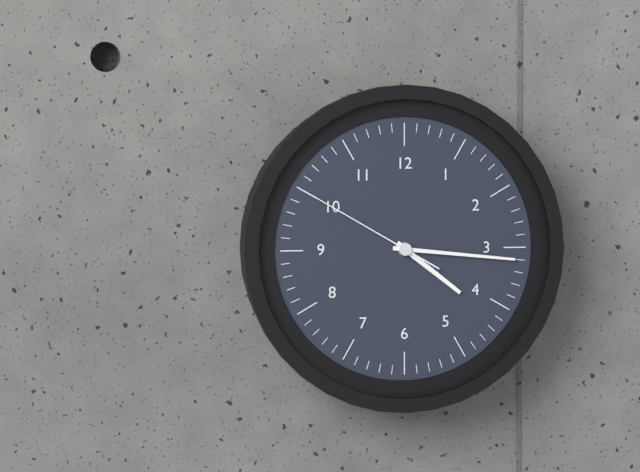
4 h 16 min 50 s
